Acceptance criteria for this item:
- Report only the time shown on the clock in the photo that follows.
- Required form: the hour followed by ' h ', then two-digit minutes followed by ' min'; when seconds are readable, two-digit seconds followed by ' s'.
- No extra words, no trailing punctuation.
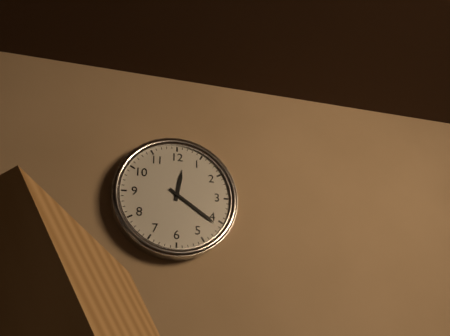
12 h 21 min
